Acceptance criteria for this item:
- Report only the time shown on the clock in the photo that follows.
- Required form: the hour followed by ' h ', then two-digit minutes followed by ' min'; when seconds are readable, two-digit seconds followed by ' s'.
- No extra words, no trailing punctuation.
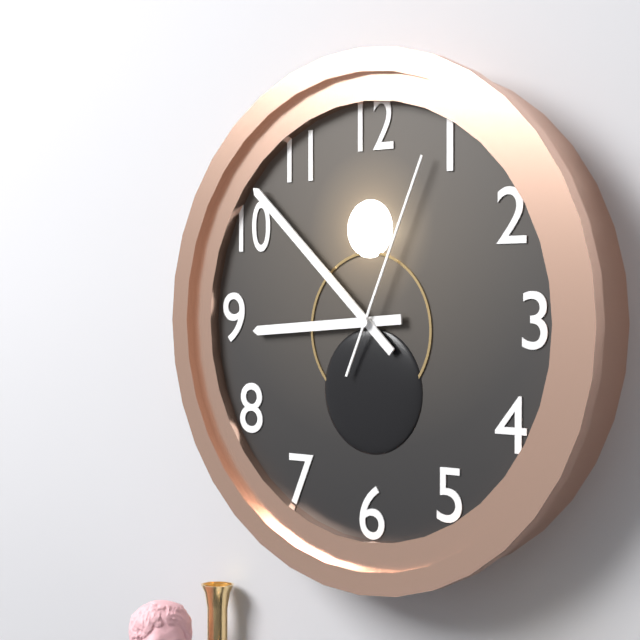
8 h 52 min 04 s
